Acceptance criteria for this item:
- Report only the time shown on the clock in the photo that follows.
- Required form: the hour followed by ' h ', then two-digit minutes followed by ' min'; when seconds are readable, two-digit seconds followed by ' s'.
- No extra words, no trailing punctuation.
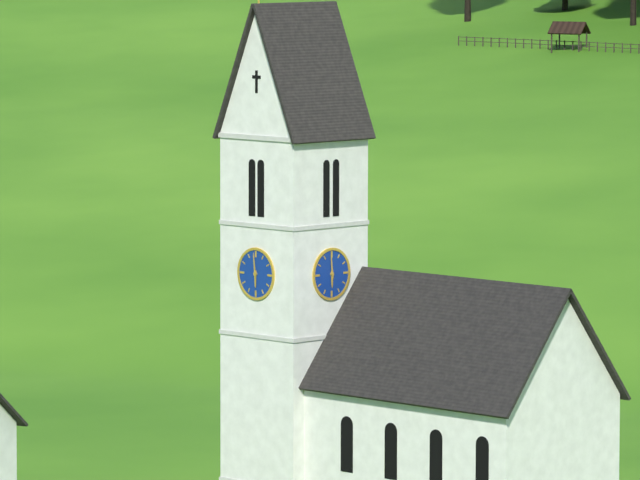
5 h 59 min
